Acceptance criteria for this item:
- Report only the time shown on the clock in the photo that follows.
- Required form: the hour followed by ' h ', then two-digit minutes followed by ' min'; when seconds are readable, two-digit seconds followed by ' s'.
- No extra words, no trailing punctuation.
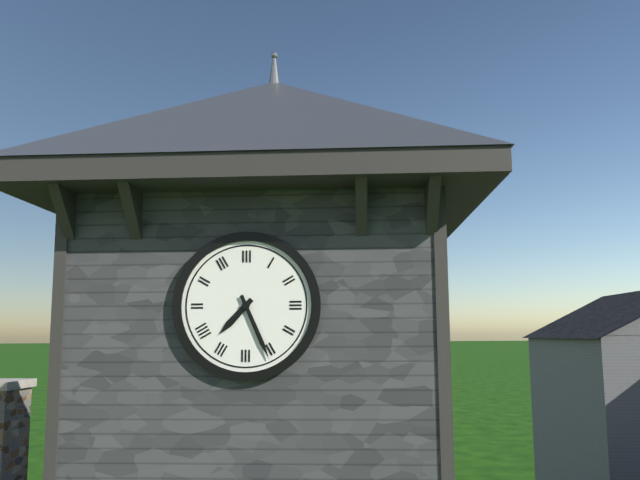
7 h 26 min
